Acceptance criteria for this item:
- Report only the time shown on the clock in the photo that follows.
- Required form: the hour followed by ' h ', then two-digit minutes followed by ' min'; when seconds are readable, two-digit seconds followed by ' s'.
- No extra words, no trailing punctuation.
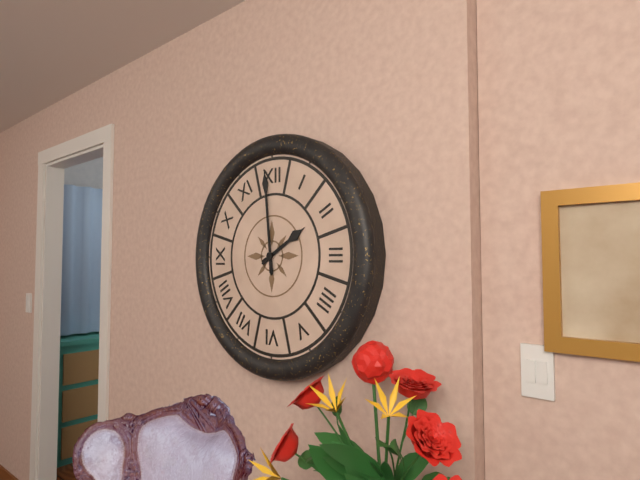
1 h 59 min
